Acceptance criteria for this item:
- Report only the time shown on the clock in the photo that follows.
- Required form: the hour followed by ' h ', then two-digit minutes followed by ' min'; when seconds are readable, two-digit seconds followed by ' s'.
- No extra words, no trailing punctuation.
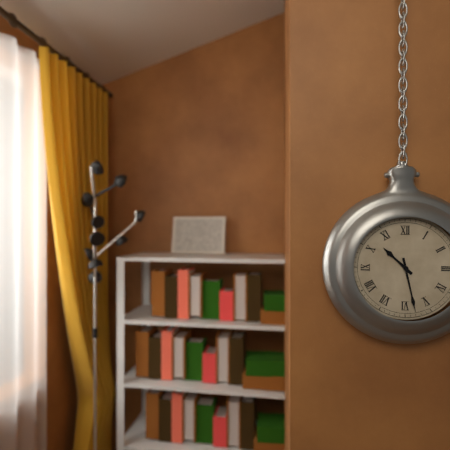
10 h 28 min
